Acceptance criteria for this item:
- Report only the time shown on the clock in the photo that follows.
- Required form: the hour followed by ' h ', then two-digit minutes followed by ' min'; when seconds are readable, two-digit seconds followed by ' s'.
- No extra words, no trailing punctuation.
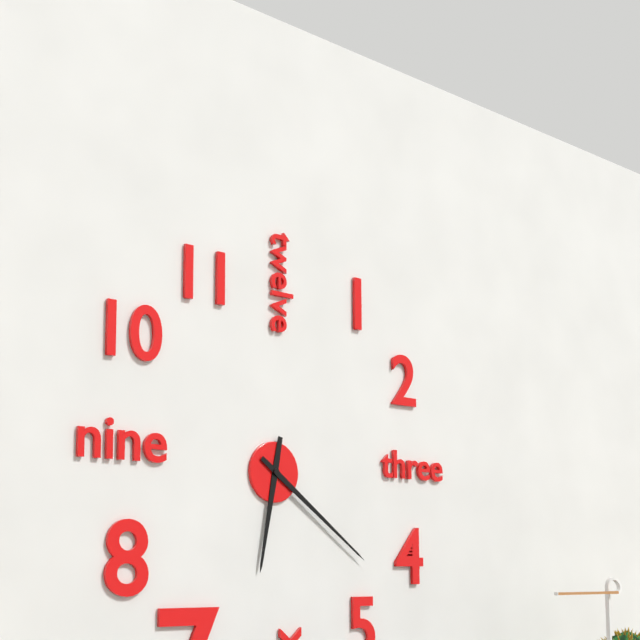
6 h 21 min
